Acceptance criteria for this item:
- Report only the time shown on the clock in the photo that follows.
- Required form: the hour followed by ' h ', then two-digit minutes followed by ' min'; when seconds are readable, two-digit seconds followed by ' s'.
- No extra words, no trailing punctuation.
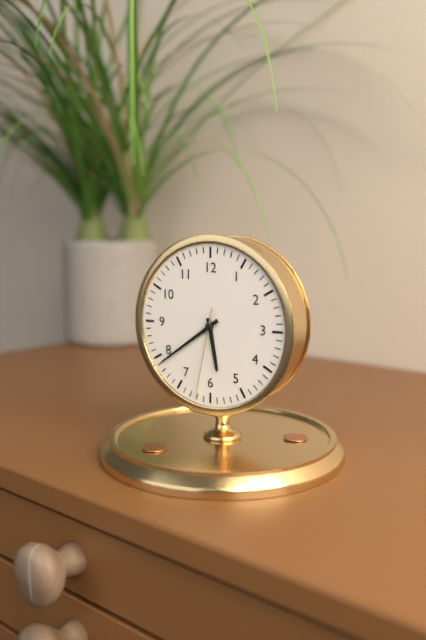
5 h 39 min 32 s
